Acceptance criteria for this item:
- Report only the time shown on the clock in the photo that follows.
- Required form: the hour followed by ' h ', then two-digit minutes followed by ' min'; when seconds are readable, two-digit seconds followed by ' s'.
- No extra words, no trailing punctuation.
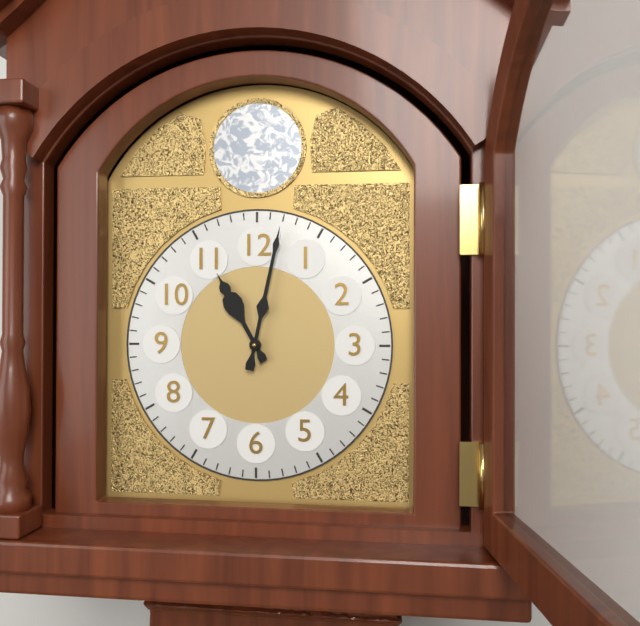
11 h 02 min
